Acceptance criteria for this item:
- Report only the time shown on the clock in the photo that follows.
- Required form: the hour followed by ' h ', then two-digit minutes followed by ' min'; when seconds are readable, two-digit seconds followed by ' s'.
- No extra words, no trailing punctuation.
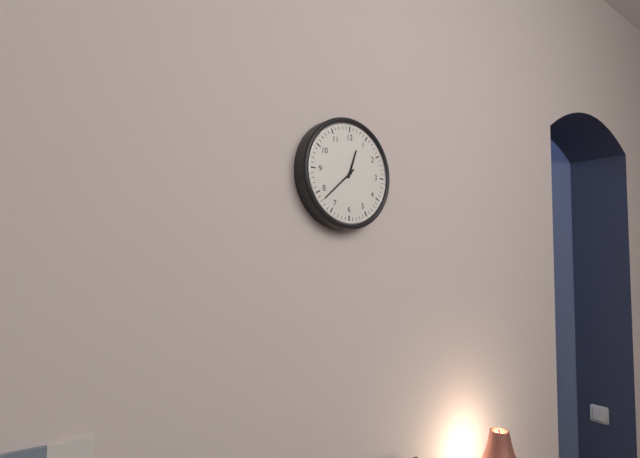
12 h 38 min
